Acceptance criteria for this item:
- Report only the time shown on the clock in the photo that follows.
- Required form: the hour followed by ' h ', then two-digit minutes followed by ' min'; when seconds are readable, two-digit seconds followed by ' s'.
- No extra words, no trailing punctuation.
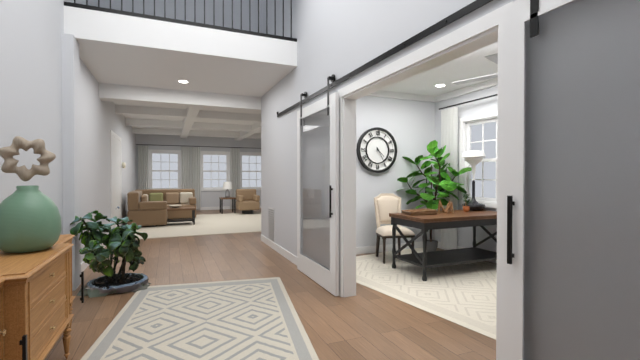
4 h 25 min
